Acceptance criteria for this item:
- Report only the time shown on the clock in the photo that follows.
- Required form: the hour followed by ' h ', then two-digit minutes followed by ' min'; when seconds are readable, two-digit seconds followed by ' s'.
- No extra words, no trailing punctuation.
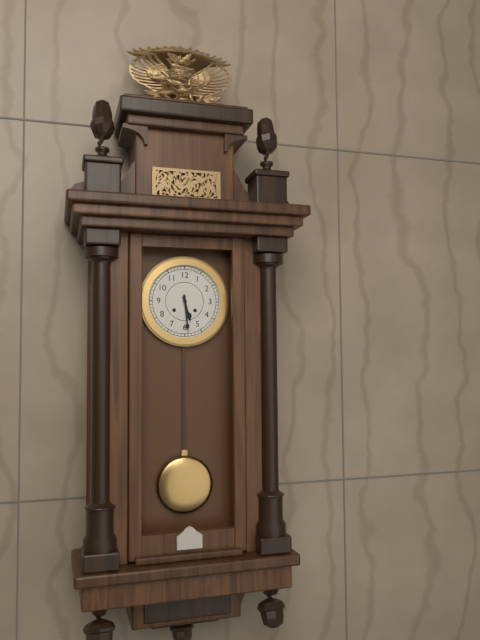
5 h 29 min
